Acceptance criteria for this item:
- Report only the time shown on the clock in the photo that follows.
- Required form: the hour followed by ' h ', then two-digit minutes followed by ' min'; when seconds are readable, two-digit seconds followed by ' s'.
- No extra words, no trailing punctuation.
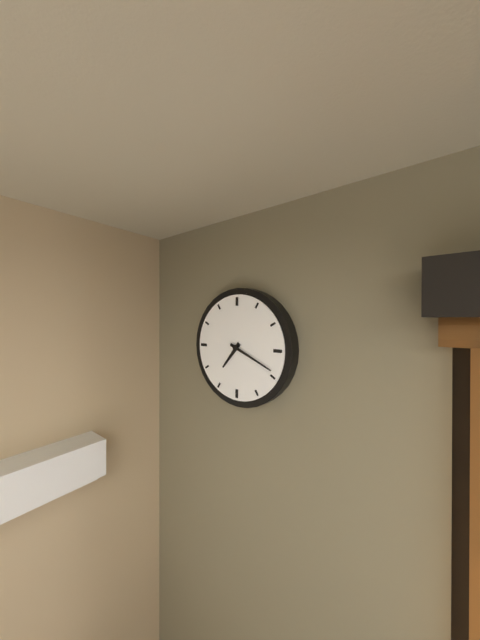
7 h 19 min
